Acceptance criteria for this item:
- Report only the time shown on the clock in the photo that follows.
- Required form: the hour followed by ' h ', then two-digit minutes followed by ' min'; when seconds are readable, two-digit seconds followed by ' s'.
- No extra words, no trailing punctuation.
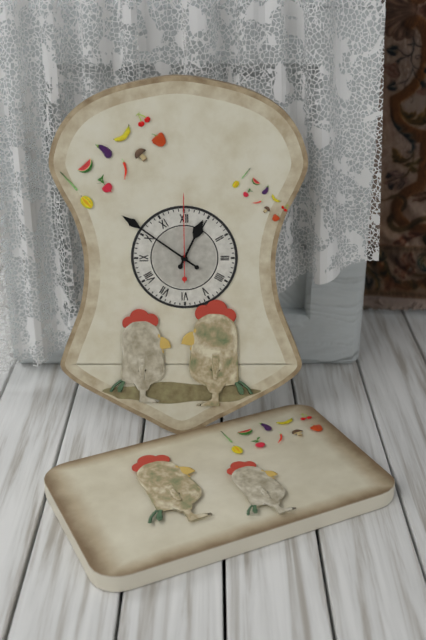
12 h 51 min 00 s
